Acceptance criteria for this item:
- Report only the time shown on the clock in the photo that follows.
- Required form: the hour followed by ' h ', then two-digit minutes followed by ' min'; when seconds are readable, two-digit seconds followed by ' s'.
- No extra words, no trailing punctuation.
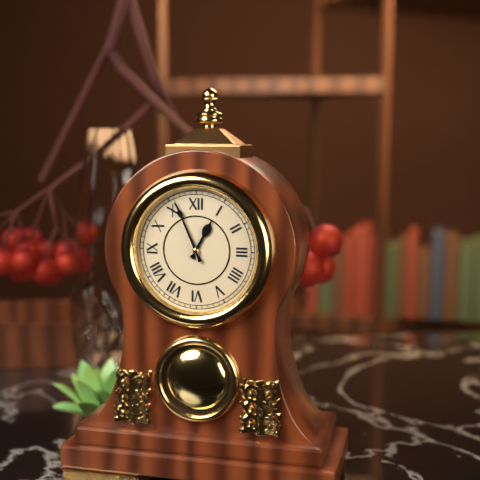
12 h 56 min
